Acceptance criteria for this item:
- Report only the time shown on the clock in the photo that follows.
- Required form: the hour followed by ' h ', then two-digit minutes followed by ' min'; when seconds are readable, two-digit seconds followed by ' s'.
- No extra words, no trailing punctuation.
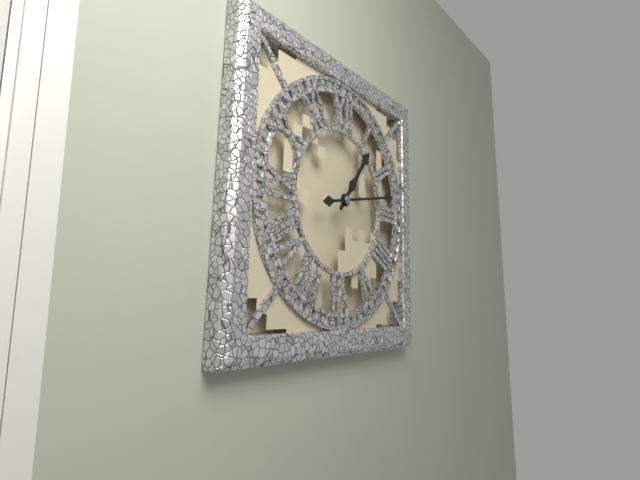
1 h 13 min
